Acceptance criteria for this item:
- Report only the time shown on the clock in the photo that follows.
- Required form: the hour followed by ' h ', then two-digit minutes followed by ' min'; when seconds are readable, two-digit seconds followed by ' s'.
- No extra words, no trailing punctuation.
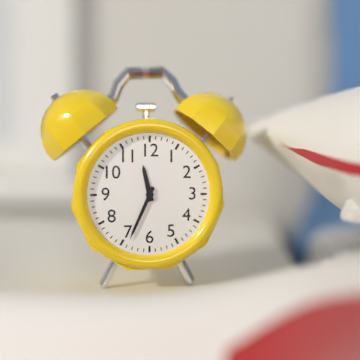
11 h 34 min
